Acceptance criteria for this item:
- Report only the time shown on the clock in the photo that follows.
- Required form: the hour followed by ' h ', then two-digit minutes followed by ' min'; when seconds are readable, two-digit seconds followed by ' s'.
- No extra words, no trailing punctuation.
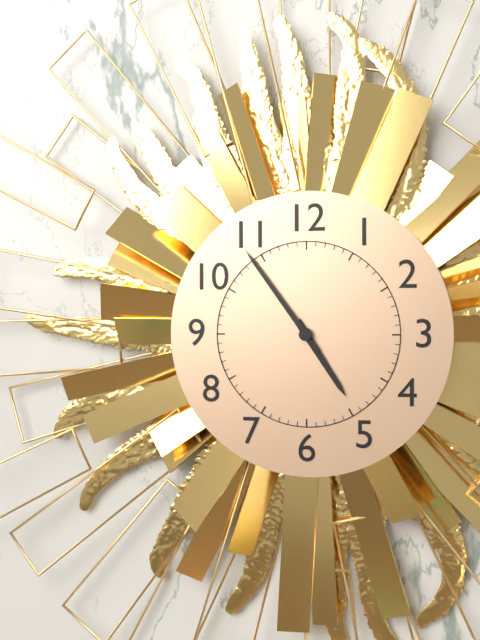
4 h 54 min
